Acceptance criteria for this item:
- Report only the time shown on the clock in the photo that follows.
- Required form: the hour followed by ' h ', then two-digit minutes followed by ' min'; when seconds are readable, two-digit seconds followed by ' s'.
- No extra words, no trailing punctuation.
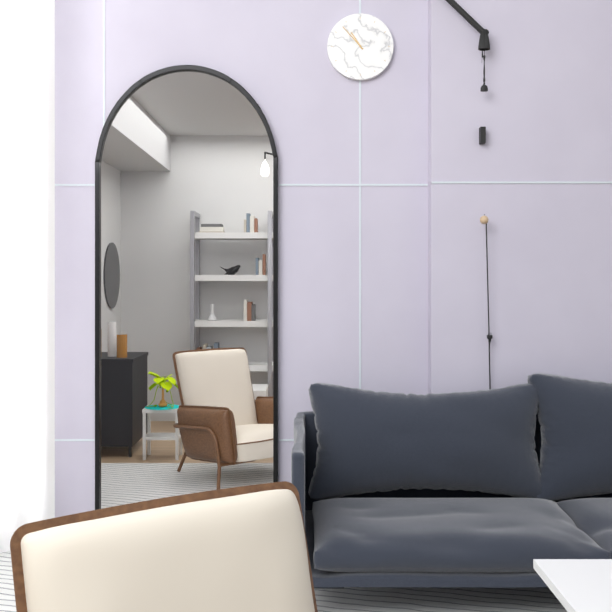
10 h 53 min
